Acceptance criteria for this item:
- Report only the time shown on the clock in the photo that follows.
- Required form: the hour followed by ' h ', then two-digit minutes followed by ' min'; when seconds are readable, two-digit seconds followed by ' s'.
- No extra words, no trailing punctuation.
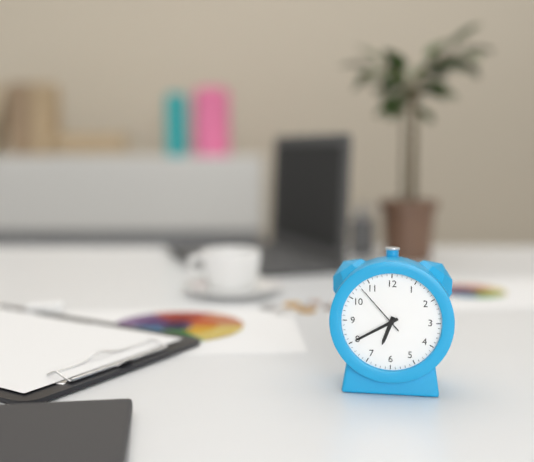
6 h 40 min 53 s
